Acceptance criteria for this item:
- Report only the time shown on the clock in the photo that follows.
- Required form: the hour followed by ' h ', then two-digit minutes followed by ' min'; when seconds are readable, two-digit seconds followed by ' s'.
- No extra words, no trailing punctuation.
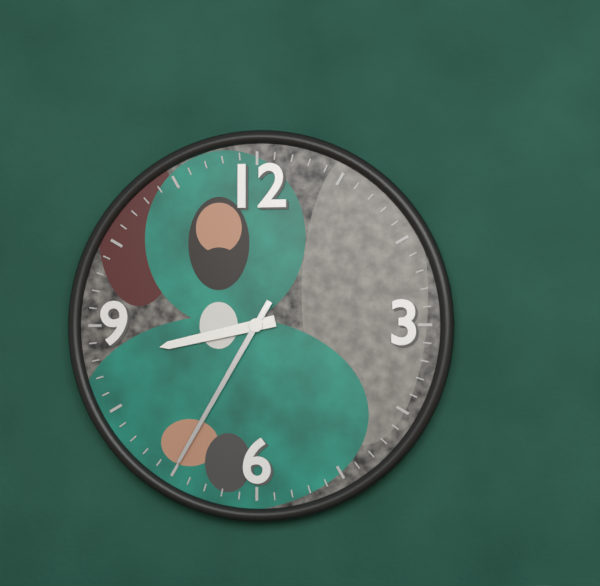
8 h 35 min
